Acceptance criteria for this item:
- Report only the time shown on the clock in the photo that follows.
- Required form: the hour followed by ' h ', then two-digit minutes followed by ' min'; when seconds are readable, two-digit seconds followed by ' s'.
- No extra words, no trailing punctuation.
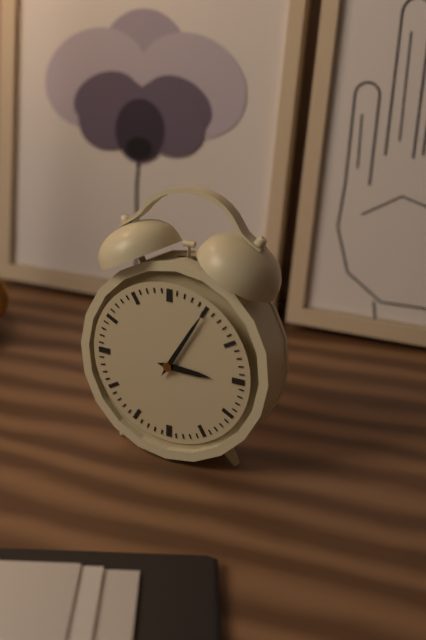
3 h 05 min
